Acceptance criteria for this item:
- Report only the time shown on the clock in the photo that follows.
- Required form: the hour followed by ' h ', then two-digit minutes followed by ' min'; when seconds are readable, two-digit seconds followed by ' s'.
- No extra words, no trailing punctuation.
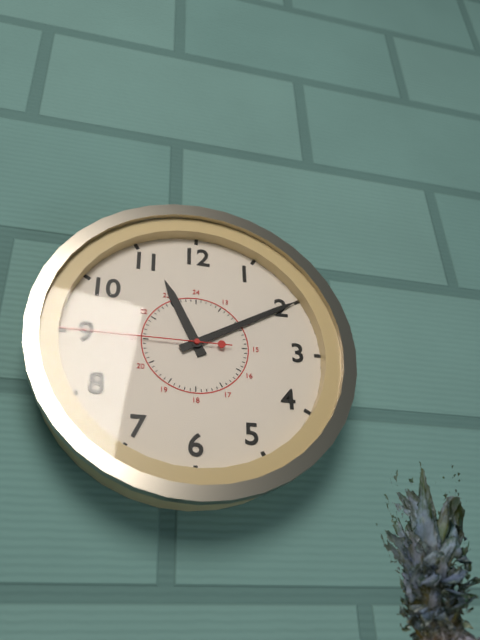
11 h 10 min 45 s
